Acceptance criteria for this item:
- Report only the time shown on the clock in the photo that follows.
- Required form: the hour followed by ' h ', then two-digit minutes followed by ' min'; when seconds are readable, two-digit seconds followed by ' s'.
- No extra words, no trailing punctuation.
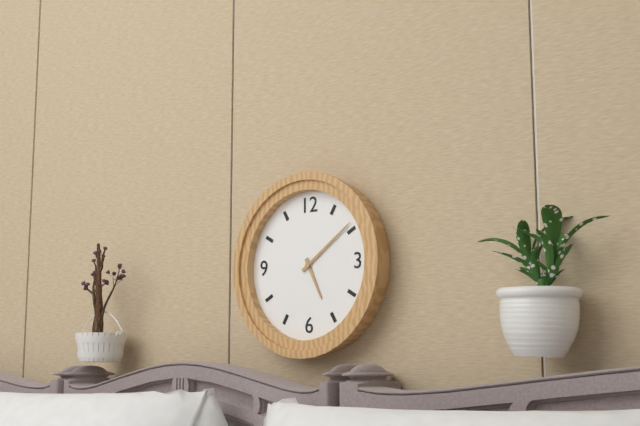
5 h 09 min
